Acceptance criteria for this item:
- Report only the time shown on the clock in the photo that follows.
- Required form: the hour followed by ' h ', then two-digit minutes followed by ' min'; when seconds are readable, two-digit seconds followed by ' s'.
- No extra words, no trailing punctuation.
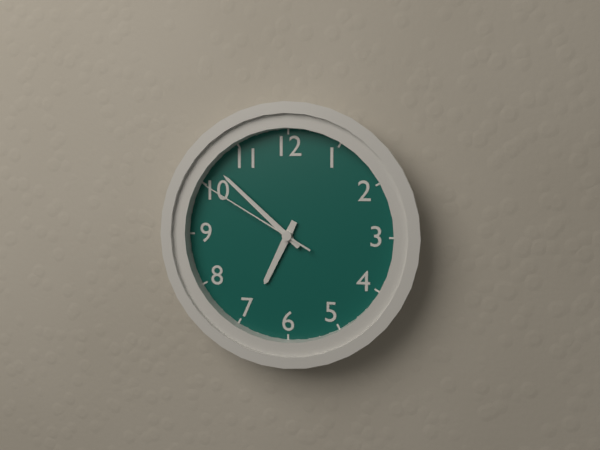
6 h 52 min 50 s
